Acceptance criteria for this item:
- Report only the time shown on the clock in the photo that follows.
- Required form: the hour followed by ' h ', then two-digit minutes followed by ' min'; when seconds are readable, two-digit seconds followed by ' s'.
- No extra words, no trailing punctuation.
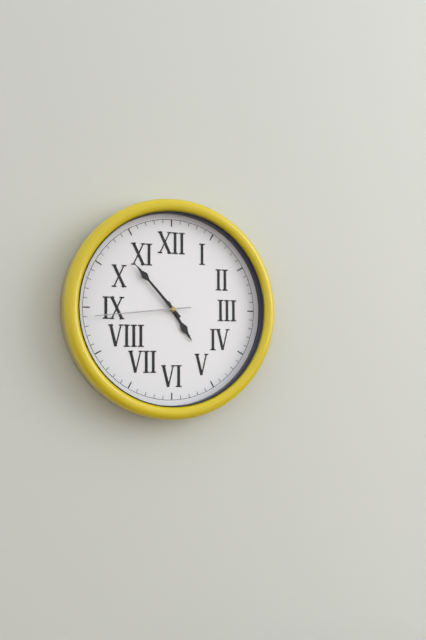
4 h 53 min 44 s
